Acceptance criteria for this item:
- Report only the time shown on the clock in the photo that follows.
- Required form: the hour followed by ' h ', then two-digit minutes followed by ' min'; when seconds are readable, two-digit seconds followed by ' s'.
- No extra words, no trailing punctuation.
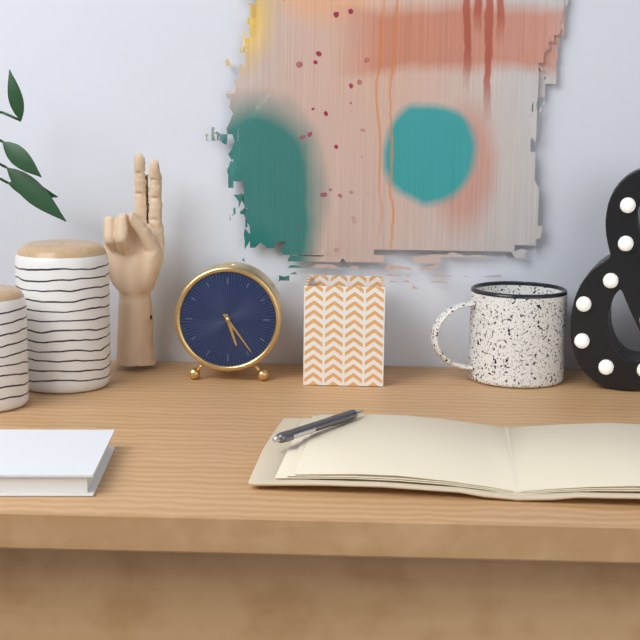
5 h 24 min
